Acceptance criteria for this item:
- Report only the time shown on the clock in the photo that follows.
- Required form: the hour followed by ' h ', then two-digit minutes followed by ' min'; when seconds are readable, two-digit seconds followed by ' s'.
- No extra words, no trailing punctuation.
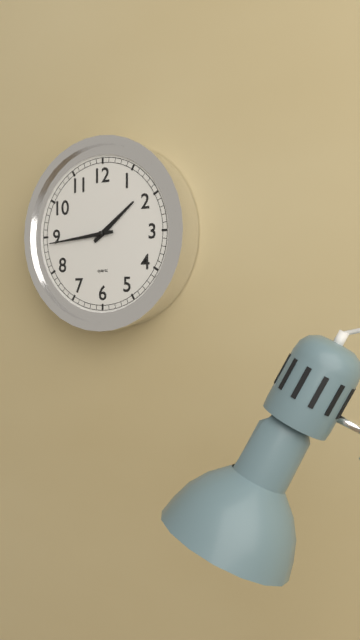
1 h 44 min
